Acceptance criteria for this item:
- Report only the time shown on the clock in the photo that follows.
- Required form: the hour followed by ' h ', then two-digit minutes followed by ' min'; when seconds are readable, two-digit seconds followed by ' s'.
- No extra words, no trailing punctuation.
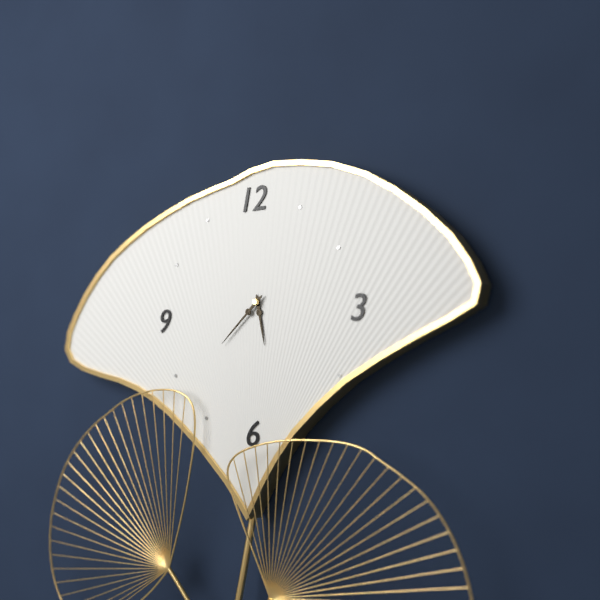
5 h 38 min
